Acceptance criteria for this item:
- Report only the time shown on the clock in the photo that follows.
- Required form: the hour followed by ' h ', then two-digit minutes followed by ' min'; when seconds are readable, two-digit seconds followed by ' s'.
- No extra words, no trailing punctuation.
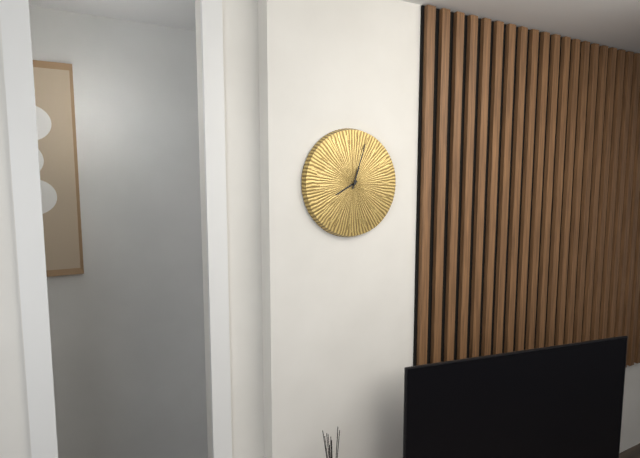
8 h 03 min
